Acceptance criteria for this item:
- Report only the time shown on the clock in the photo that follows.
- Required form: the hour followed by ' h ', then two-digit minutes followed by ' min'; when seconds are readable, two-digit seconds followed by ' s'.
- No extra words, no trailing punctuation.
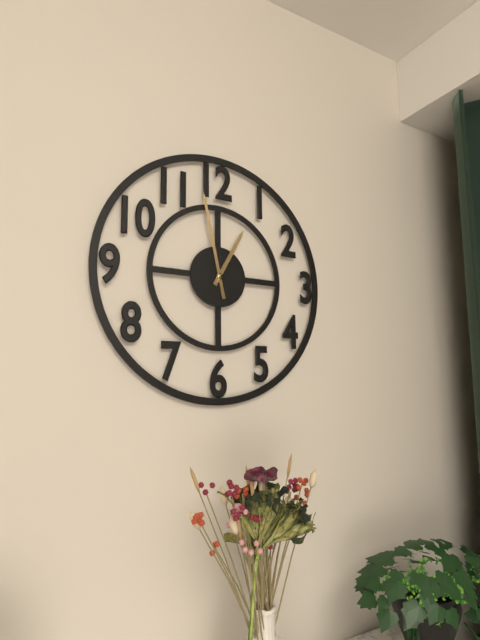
12 h 58 min
